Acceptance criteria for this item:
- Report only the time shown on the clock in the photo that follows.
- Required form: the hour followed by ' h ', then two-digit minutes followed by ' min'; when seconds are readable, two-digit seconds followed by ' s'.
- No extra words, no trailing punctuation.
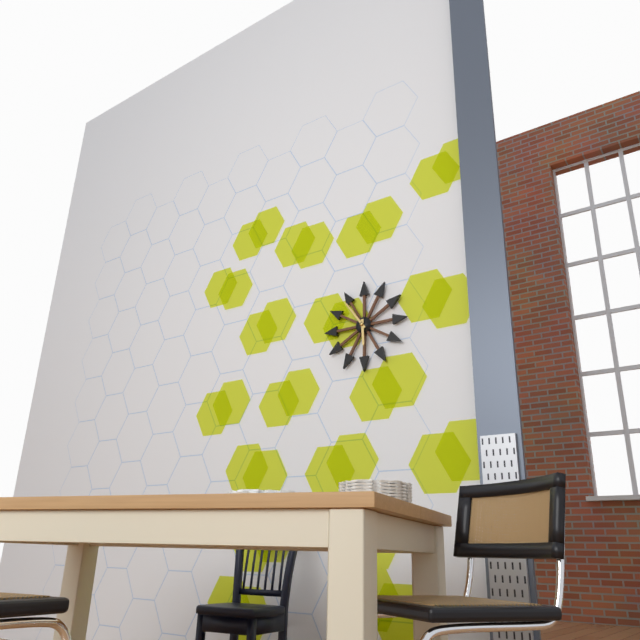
5 h 54 min
